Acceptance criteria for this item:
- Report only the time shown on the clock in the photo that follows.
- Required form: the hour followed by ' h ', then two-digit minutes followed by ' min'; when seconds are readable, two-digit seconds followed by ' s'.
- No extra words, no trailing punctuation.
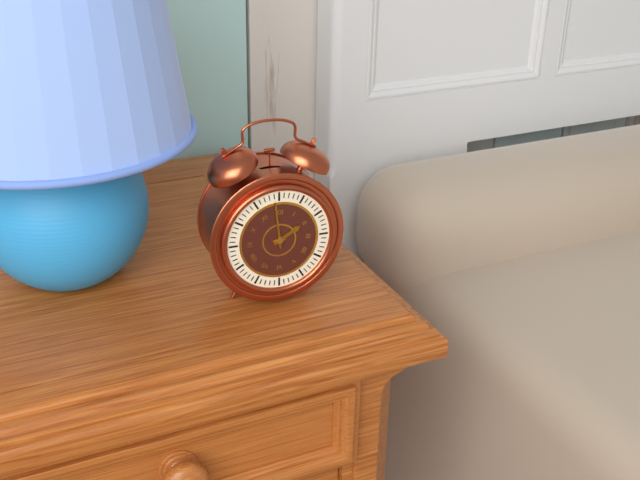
1 h 59 min
